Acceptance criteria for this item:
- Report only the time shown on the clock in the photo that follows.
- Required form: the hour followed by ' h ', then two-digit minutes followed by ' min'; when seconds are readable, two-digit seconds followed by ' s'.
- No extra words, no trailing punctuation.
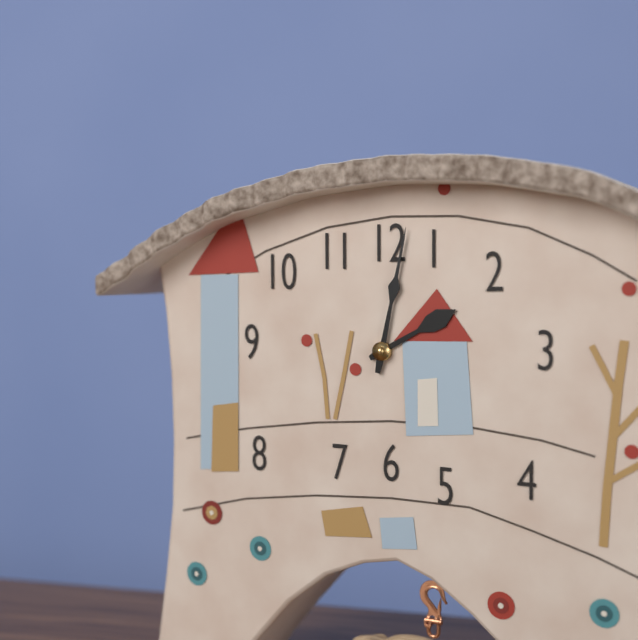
2 h 02 min
